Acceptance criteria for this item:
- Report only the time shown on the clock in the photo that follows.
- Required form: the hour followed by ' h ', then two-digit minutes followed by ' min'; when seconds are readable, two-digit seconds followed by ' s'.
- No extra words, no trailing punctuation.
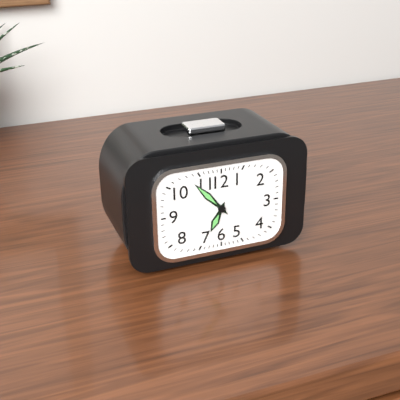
6 h 53 min
